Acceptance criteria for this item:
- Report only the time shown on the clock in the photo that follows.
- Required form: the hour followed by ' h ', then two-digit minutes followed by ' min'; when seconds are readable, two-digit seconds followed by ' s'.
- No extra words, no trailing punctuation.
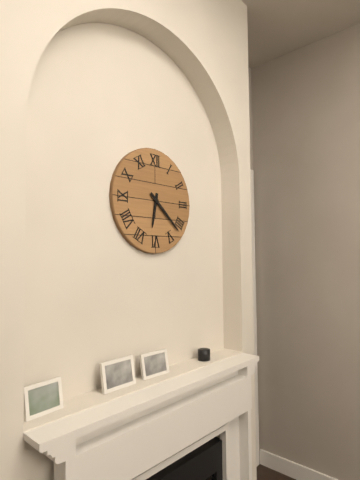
6 h 22 min
